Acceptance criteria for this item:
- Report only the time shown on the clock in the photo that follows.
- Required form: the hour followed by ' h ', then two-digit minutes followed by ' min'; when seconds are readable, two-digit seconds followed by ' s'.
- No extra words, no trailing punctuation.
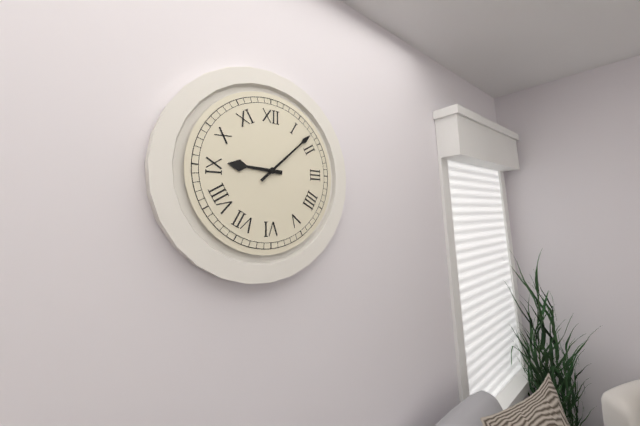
9 h 08 min
